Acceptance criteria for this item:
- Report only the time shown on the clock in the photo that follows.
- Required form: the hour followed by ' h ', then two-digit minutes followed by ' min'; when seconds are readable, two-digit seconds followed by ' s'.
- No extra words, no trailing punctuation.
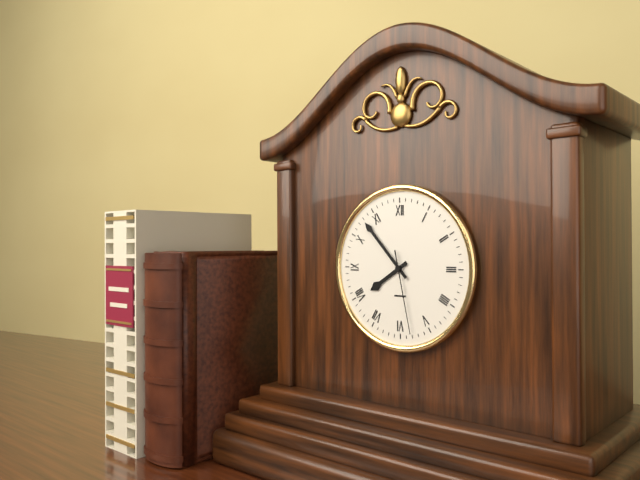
7 h 53 min 28 s
